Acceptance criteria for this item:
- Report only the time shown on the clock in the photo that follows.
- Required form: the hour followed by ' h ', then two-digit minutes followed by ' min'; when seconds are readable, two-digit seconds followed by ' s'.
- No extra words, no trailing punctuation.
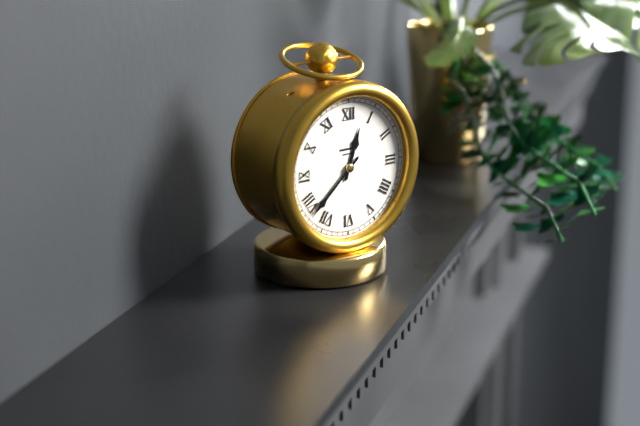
12 h 38 min
